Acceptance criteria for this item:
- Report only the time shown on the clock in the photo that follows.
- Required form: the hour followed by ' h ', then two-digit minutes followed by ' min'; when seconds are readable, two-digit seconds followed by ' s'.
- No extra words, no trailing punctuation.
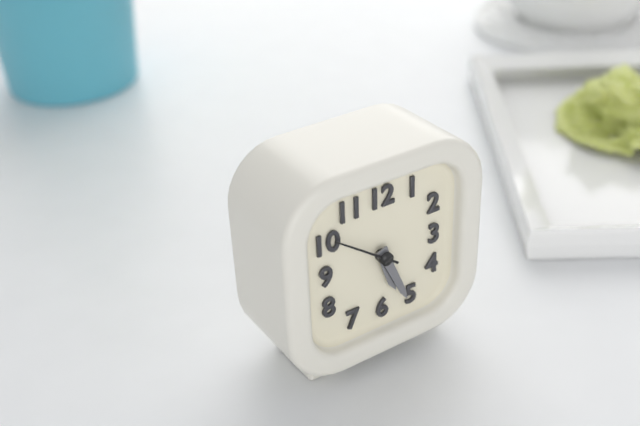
5 h 26 min 51 s
